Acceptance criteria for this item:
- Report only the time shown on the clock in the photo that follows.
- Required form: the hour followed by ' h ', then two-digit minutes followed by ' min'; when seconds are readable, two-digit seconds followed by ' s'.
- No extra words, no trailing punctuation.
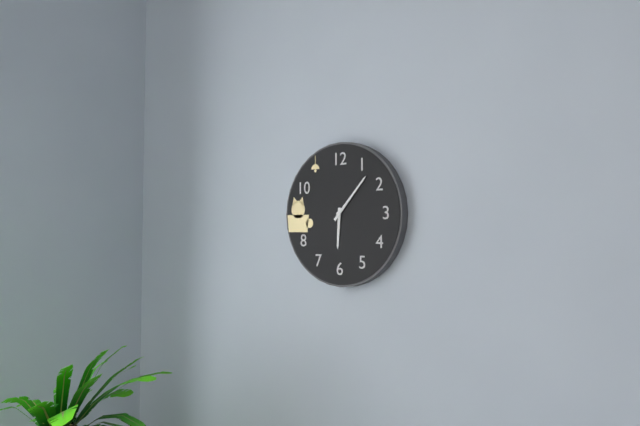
6 h 07 min
